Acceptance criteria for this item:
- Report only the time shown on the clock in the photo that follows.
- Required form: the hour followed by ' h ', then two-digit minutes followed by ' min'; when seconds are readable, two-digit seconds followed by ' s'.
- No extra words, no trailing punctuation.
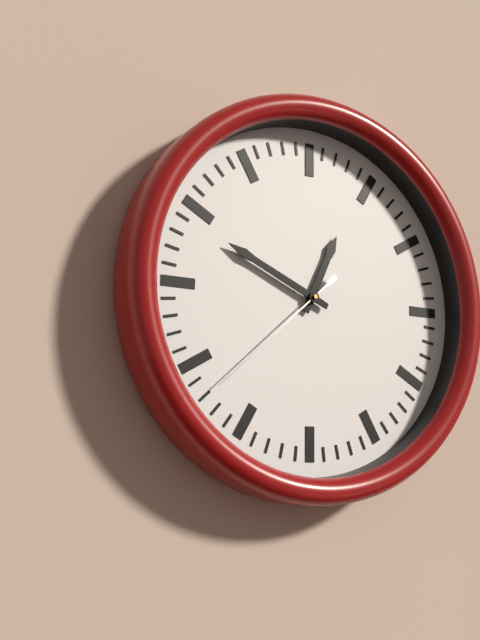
12 h 49 min 38 s
